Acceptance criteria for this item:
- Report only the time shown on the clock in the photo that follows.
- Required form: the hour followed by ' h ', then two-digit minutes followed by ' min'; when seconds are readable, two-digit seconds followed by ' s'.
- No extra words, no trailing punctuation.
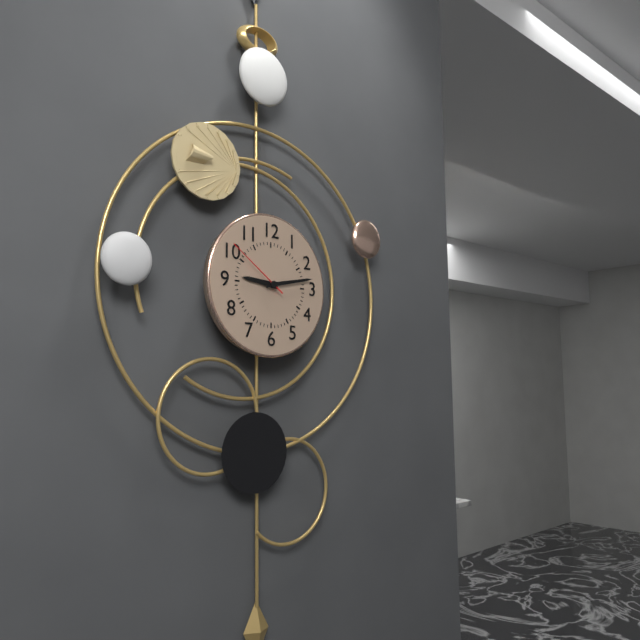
9 h 13 min 51 s
